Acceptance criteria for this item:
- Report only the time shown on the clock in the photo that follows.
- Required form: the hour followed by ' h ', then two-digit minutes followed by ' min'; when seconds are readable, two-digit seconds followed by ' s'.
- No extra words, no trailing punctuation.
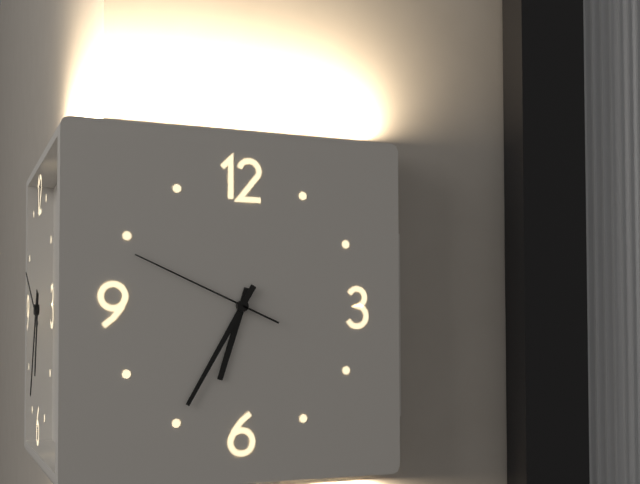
6 h 35 min 49 s
